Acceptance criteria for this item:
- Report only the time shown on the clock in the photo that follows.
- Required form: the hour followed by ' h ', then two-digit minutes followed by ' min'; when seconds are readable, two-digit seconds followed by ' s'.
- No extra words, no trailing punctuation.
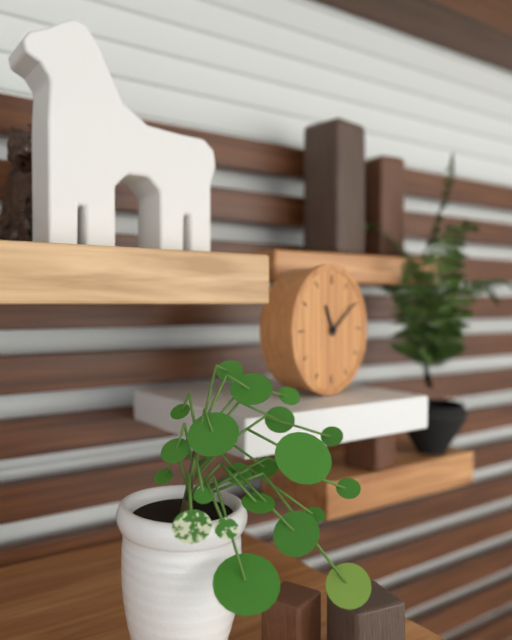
11 h 09 min
